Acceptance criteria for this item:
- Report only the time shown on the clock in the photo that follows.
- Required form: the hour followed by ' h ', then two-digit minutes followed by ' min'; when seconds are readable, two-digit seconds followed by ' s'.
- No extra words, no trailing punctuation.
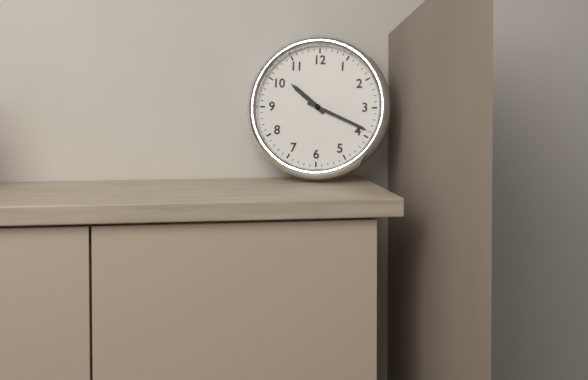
10 h 19 min
